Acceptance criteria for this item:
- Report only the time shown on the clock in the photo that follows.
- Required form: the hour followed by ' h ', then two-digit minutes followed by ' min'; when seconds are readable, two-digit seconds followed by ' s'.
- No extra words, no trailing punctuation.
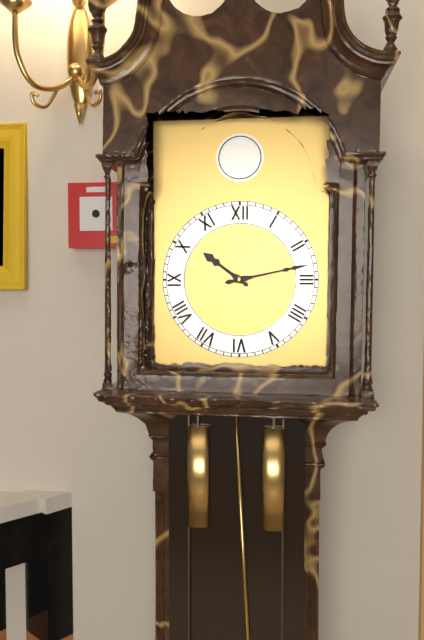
10 h 13 min
